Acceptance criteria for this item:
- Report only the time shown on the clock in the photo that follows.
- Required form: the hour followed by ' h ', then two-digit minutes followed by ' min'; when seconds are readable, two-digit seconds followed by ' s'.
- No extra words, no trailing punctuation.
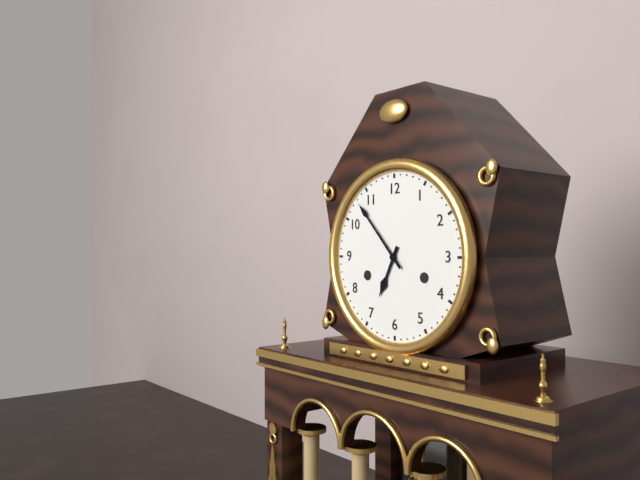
6 h 53 min
